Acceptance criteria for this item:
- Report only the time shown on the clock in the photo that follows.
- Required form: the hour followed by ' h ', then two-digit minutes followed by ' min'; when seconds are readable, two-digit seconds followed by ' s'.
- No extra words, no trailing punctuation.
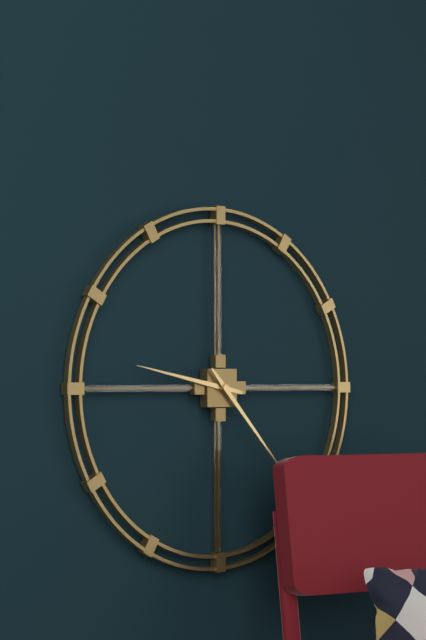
9 h 23 min
